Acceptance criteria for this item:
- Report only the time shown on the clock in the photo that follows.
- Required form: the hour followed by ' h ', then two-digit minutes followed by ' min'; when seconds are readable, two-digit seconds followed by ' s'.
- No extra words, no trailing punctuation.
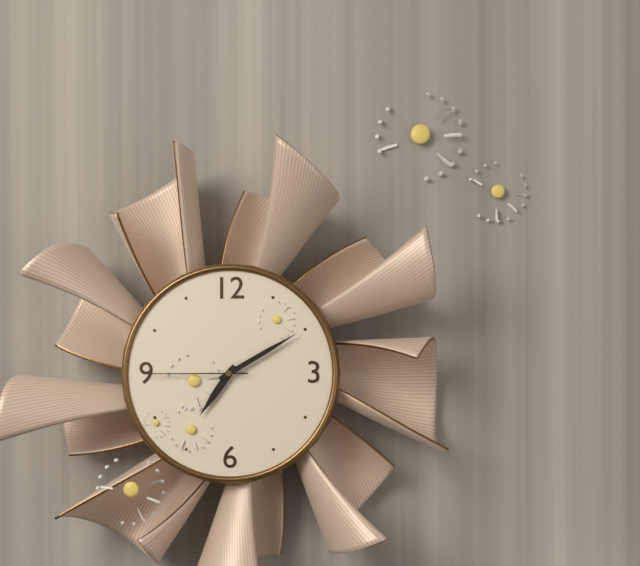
7 h 10 min 45 s
